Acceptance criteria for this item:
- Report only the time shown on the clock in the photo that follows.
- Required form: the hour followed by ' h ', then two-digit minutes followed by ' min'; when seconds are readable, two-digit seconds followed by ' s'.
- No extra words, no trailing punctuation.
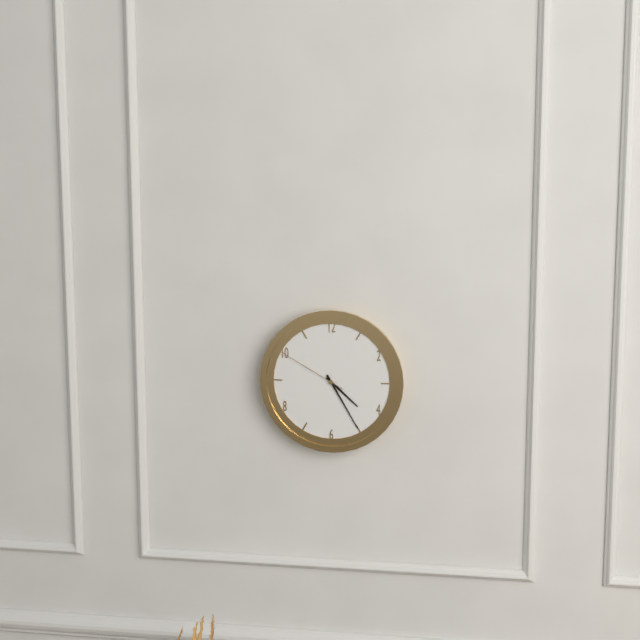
4 h 25 min 50 s
